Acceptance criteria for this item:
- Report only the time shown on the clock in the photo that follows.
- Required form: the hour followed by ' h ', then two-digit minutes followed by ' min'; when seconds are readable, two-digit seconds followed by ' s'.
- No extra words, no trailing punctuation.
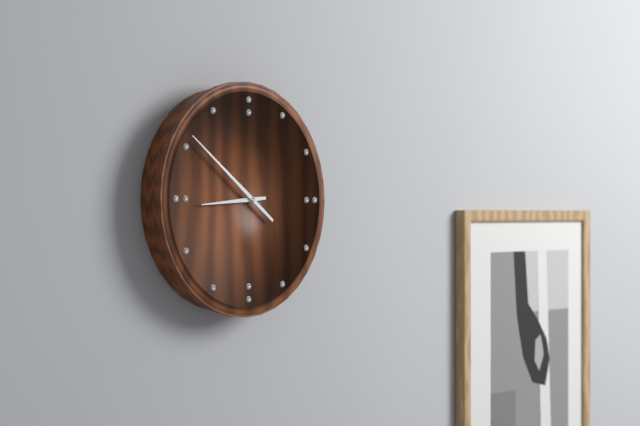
8 h 51 min
